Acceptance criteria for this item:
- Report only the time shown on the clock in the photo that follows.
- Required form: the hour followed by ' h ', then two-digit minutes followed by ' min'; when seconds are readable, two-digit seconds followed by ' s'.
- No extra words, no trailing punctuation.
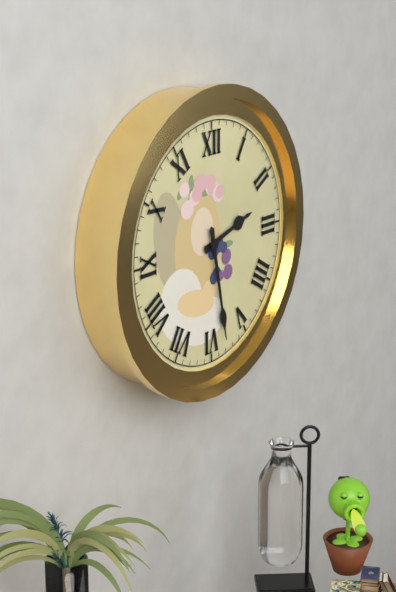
2 h 28 min
